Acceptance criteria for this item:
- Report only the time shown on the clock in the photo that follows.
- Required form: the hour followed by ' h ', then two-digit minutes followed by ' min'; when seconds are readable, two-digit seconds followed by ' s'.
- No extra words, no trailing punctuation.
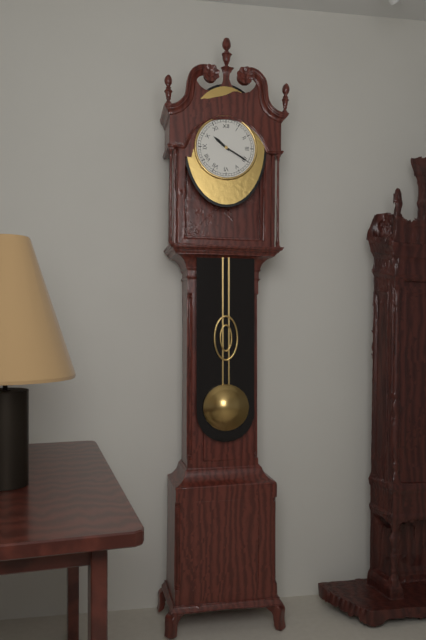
10 h 20 min
